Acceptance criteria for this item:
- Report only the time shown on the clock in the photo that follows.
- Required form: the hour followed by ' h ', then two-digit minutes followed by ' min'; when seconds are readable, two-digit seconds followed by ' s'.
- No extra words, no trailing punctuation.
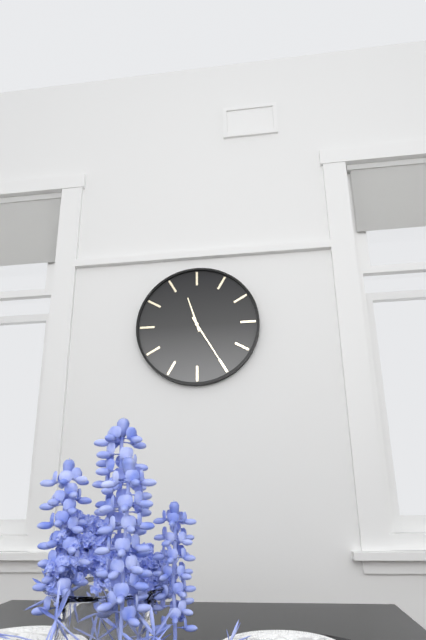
11 h 25 min
